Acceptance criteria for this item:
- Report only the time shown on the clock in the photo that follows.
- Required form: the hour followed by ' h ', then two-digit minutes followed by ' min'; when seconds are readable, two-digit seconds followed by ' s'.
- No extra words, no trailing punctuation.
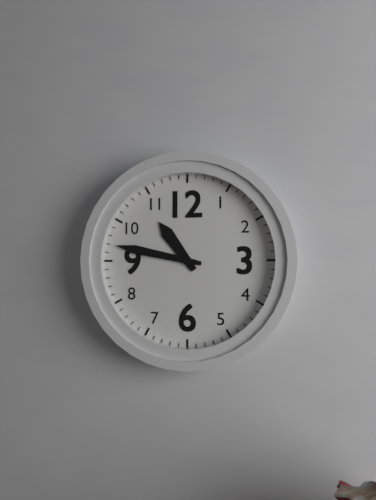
10 h 47 min
